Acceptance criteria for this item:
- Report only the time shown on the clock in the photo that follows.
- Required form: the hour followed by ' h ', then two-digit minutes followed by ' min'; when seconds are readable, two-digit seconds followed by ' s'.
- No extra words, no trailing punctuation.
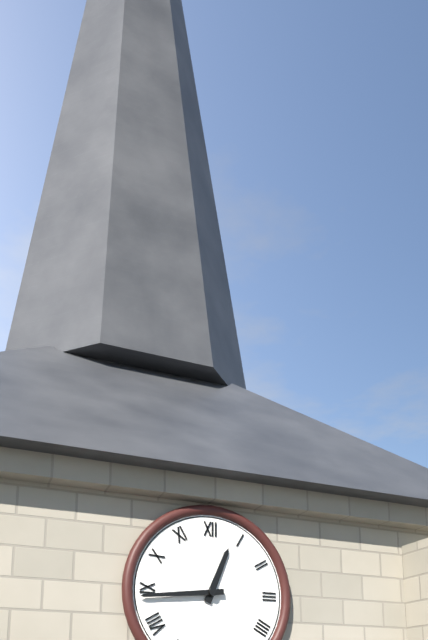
12 h 44 min
